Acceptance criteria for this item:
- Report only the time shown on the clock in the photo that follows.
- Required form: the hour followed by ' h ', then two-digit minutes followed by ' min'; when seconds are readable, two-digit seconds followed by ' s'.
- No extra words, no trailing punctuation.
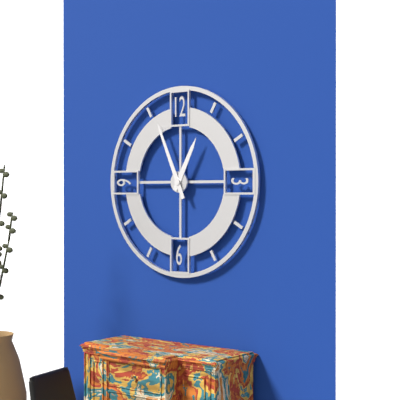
12 h 56 min
